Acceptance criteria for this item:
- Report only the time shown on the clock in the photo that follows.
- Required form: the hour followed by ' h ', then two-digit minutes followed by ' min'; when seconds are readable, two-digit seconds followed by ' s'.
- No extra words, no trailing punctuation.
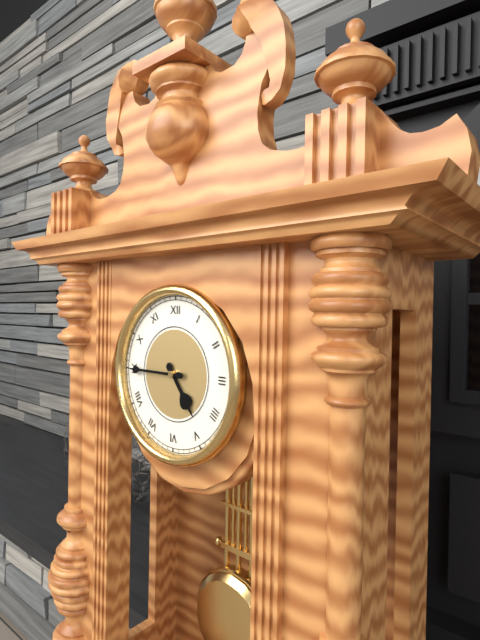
4 h 45 min
